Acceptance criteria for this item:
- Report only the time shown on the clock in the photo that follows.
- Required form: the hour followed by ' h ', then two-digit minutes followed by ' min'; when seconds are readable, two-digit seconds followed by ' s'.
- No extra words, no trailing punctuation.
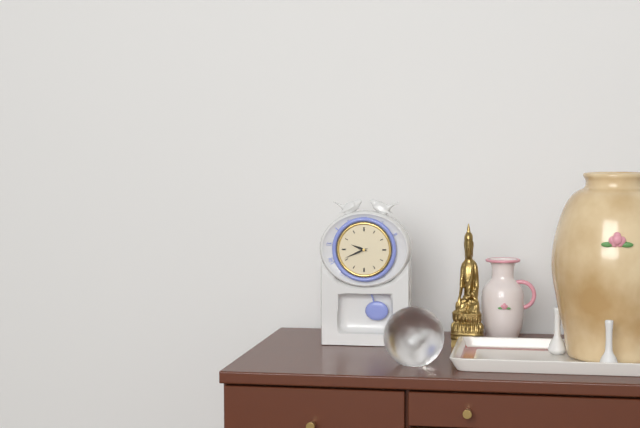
9 h 41 min
